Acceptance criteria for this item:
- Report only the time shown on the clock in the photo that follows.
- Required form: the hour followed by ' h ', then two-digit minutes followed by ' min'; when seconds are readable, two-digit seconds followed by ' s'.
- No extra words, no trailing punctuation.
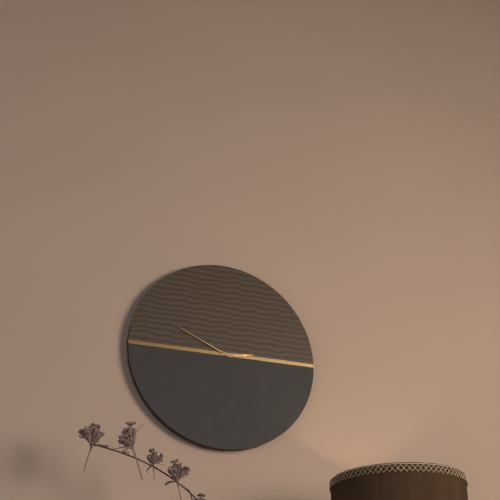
2 h 49 min
